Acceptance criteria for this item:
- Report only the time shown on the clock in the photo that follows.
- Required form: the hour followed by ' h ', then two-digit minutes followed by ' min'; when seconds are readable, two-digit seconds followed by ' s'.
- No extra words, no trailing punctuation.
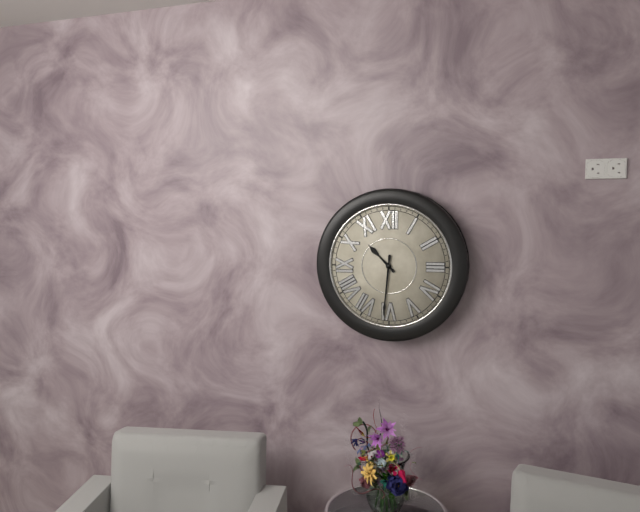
10 h 31 min
